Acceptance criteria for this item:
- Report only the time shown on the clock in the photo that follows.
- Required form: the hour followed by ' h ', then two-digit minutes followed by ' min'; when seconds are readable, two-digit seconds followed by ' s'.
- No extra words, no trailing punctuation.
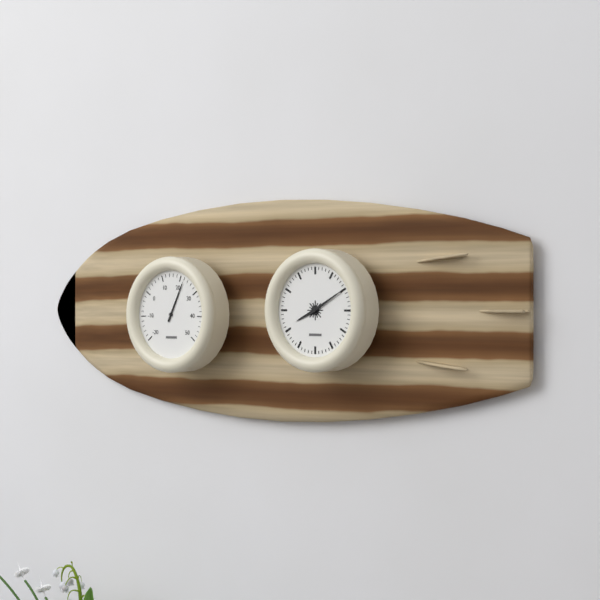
8 h 10 min
